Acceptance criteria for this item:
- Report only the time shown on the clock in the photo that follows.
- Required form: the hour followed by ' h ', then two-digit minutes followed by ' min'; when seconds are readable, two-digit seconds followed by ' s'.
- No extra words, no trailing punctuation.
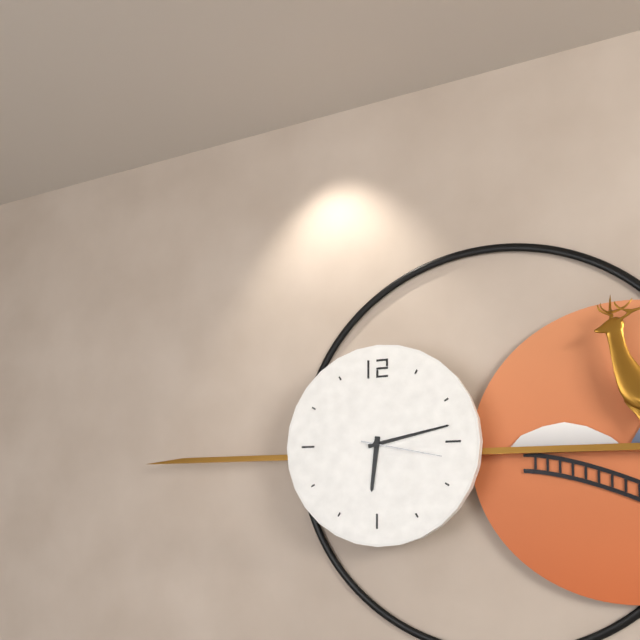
6 h 13 min 17 s
